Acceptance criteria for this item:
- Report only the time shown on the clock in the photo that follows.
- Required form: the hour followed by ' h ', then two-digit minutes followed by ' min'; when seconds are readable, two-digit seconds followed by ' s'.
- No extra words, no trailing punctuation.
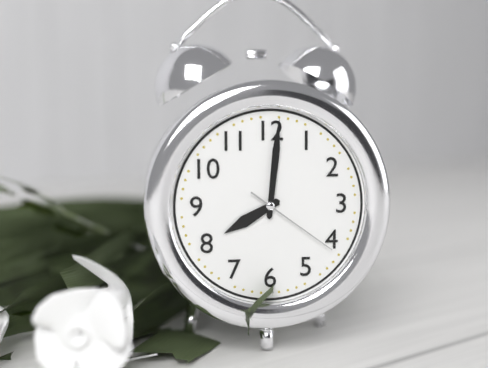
8 h 01 min 21 s
